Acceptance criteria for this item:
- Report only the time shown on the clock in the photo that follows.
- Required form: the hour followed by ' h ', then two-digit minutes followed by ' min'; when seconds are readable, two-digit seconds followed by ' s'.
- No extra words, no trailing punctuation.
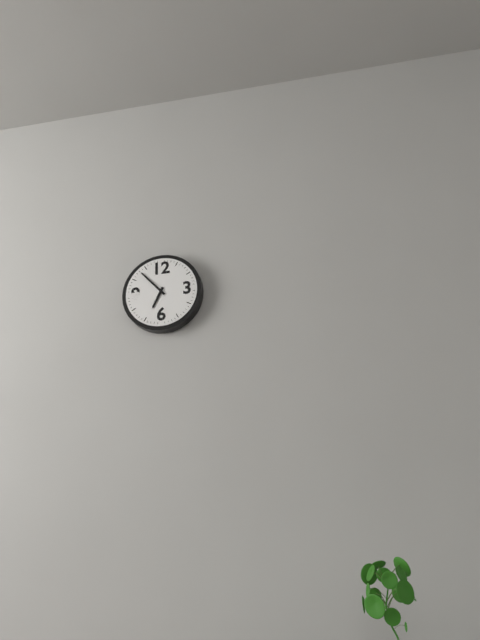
6 h 53 min
